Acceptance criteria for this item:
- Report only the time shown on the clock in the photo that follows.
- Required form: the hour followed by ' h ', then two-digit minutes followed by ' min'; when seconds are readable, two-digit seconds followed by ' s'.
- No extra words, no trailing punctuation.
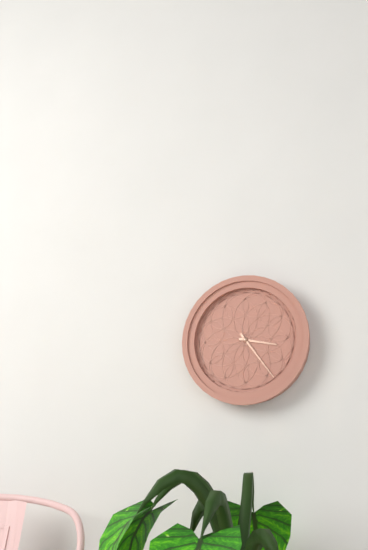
3 h 24 min
